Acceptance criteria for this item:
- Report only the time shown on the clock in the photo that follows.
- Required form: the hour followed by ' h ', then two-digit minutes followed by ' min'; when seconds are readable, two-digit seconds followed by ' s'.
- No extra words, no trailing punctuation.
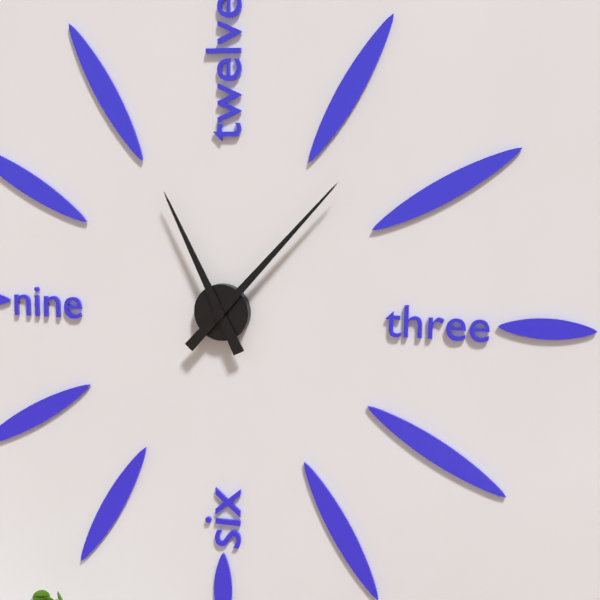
11 h 07 min
